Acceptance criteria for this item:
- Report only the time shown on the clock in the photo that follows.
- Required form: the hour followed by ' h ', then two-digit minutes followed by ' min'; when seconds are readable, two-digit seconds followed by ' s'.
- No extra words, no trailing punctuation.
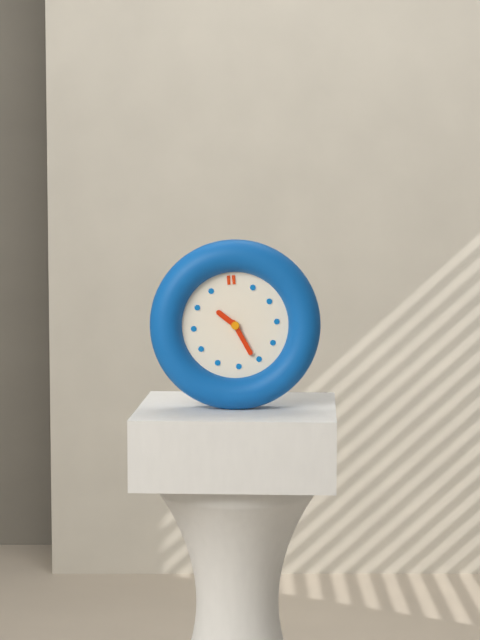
10 h 26 min
